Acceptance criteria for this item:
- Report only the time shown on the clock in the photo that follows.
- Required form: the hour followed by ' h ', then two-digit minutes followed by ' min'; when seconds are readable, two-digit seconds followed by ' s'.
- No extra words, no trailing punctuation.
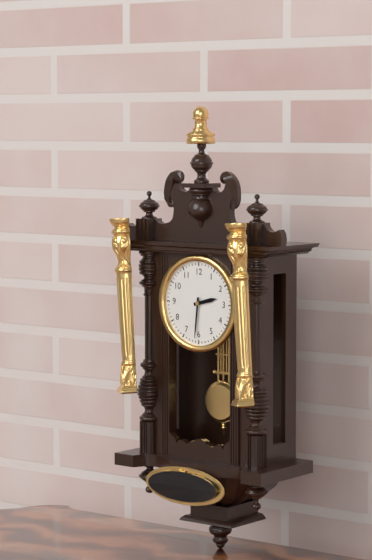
2 h 31 min
